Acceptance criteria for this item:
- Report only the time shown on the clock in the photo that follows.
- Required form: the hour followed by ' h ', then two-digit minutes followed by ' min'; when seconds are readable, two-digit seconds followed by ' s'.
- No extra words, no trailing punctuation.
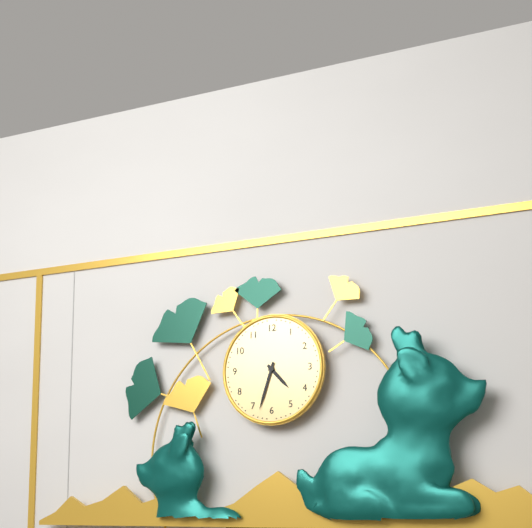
4 h 33 min
